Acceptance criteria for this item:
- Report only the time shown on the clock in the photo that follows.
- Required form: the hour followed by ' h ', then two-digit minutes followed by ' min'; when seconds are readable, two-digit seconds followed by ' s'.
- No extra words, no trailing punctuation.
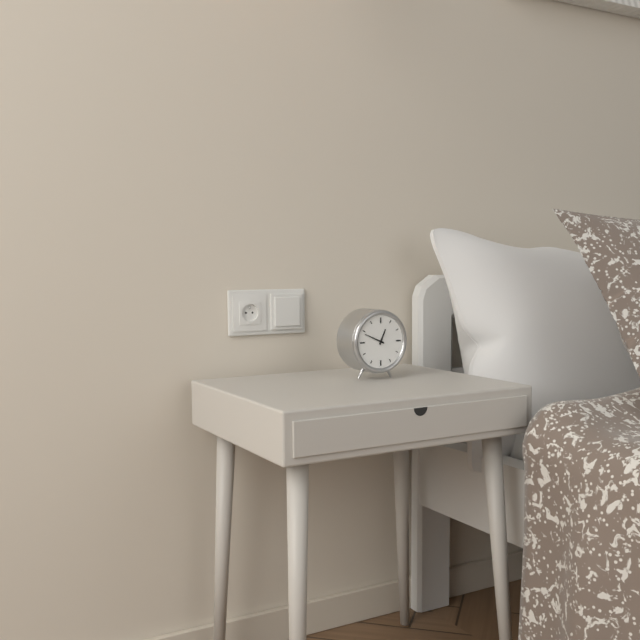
12 h 49 min
